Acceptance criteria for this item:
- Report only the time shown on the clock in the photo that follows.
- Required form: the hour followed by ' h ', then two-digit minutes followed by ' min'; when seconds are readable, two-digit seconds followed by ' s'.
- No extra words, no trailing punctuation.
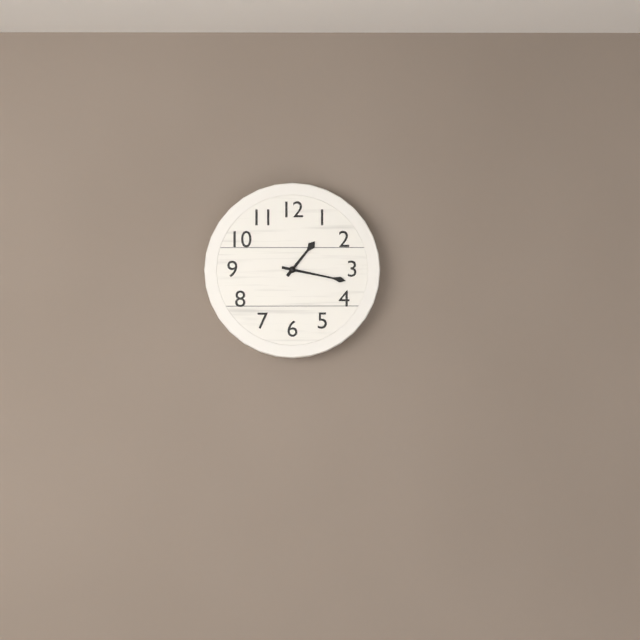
1 h 17 min
